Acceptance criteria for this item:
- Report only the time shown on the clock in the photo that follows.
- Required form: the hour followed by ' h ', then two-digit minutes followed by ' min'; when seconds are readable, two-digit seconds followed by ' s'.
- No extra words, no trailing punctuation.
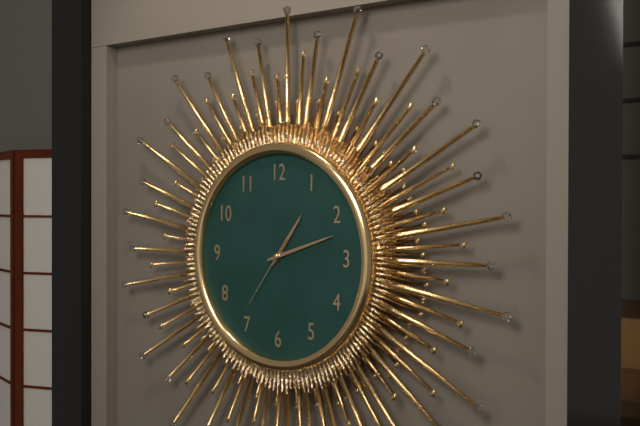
1 h 12 min 36 s
